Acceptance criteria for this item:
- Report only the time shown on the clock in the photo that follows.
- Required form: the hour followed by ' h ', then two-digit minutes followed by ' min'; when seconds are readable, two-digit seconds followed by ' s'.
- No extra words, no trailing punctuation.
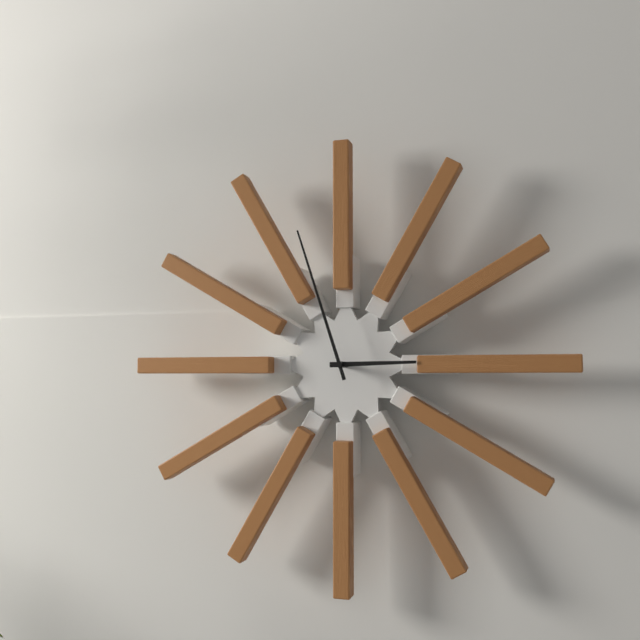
2 h 57 min
